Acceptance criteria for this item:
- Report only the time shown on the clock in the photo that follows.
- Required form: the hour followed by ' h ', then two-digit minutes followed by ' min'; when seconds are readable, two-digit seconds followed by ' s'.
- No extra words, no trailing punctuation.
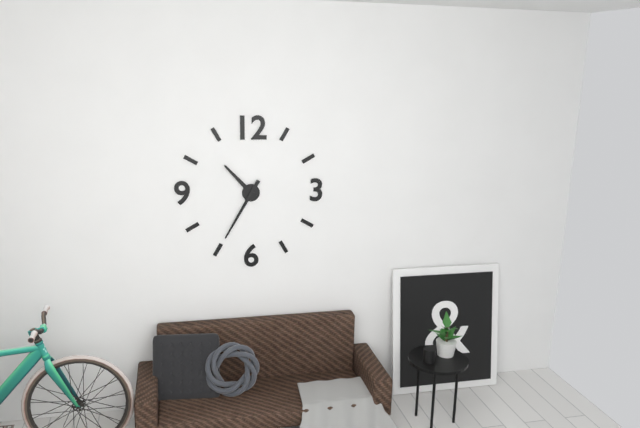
10 h 35 min
